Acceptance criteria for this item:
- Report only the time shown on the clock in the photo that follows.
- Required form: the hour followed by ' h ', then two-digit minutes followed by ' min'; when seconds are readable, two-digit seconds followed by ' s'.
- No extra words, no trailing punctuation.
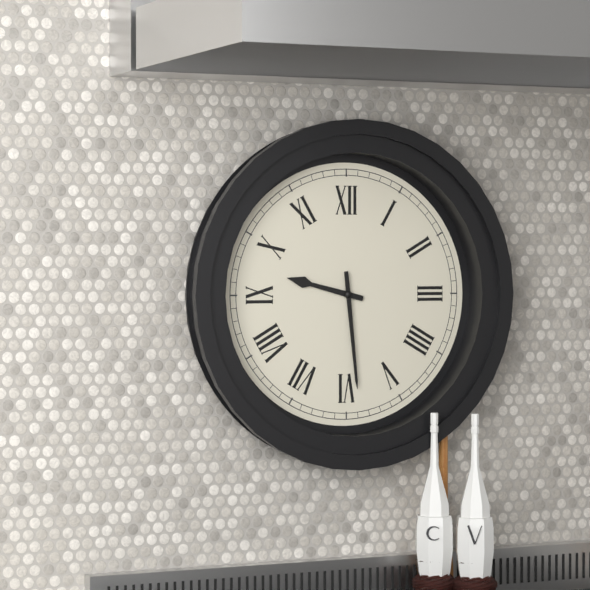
9 h 29 min
